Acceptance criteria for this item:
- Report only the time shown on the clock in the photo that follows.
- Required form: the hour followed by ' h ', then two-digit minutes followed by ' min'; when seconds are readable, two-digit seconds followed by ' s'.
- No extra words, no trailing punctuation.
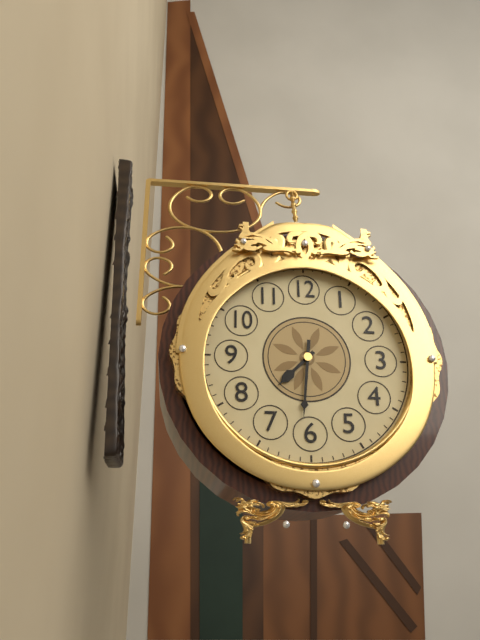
7 h 31 min
